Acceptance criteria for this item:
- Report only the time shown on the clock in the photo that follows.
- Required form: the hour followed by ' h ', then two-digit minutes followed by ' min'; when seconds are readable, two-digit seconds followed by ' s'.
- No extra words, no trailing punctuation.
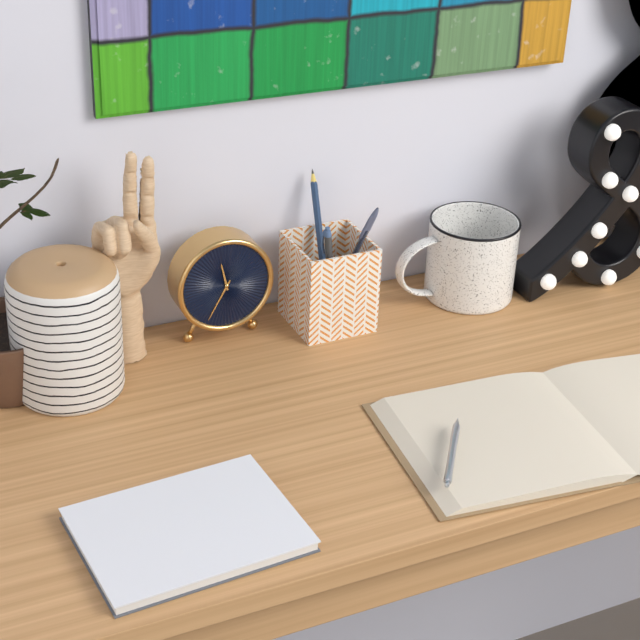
11 h 35 min
